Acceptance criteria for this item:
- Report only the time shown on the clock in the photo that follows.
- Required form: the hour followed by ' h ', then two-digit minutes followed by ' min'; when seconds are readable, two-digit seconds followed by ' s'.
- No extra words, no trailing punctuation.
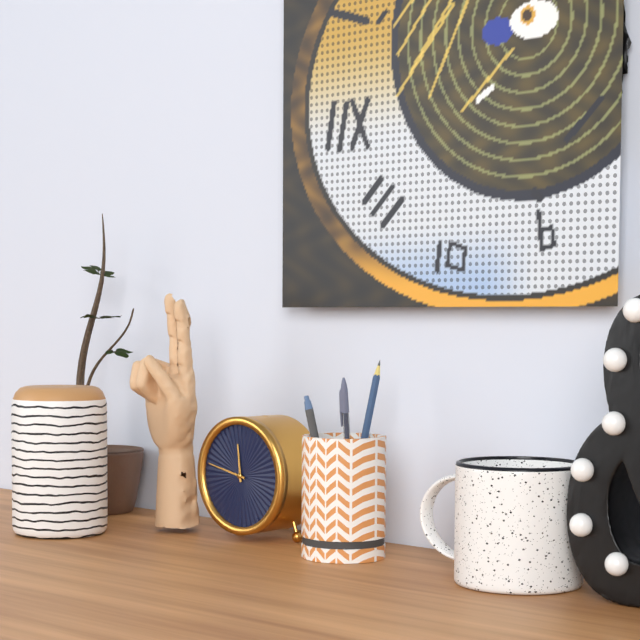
11 h 47 min
